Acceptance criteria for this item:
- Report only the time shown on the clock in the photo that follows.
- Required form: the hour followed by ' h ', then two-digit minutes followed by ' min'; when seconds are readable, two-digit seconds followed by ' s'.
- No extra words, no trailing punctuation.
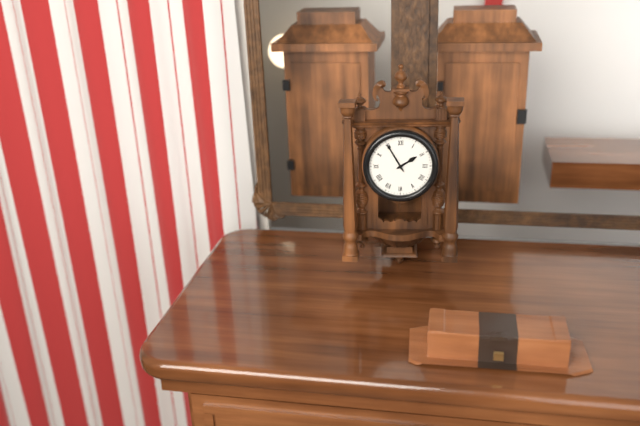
1 h 55 min
